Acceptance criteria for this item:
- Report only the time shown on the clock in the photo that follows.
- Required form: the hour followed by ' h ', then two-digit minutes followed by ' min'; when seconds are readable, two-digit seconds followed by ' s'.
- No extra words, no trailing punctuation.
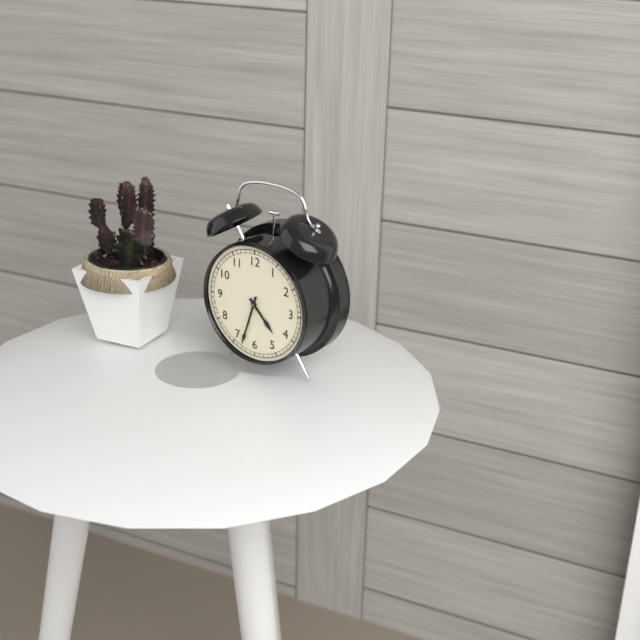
4 h 33 min
